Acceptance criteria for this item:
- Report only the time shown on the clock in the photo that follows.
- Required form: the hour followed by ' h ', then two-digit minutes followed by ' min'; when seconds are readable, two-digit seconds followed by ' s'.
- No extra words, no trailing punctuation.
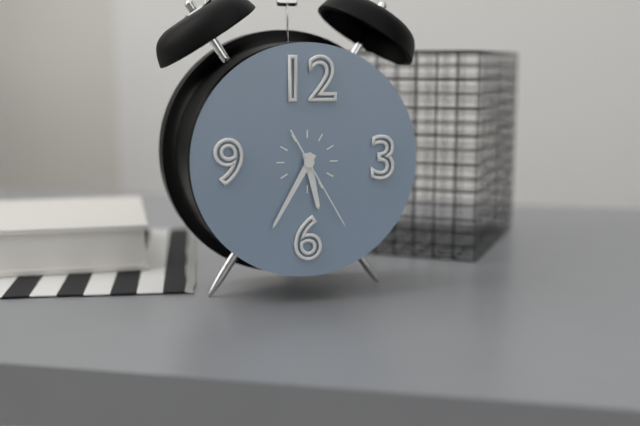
5 h 35 min 25 s
